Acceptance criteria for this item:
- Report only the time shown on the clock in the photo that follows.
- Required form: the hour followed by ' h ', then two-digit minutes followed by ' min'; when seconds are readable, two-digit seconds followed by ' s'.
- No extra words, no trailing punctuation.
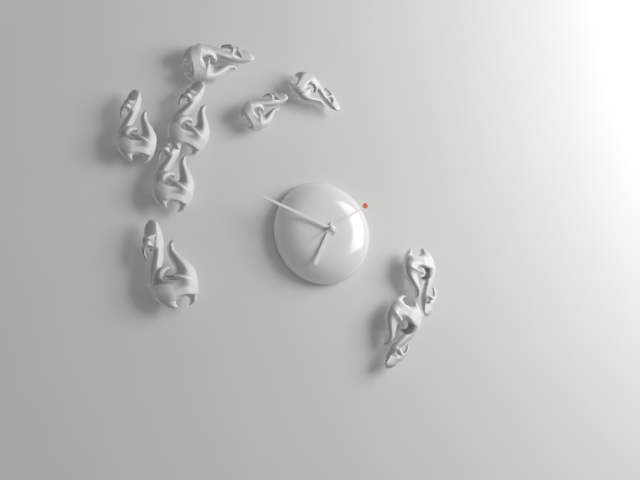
6 h 48 min 09 s
